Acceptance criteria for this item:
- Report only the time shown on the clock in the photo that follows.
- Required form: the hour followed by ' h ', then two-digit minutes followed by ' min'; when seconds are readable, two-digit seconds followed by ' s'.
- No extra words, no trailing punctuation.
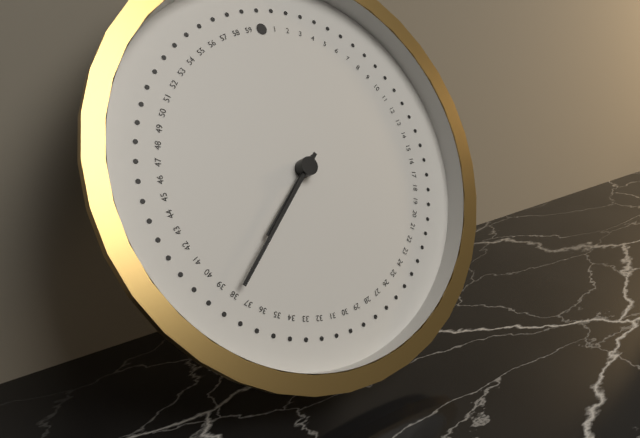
7 h 38 min
